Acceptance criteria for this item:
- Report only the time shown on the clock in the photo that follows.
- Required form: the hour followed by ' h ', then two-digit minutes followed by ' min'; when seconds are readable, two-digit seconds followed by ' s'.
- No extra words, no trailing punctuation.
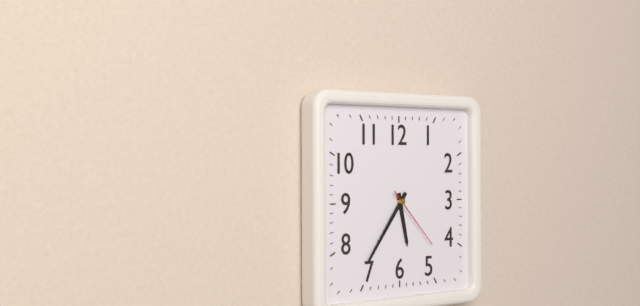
5 h 36 min 23 s
